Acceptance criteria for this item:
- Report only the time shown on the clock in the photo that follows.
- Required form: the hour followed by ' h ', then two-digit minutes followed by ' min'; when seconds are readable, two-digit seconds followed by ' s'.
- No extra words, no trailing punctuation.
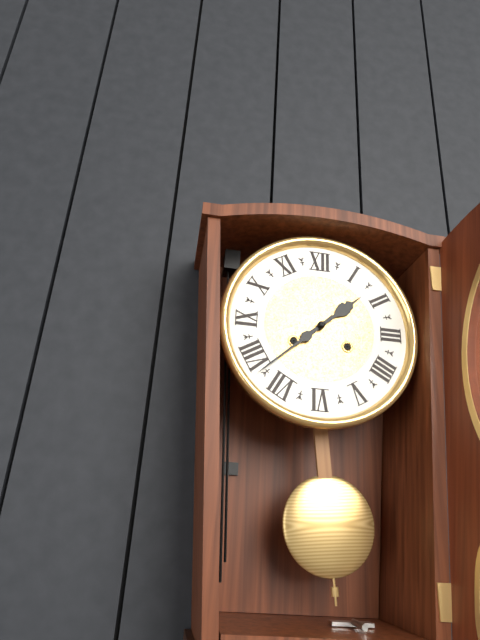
1 h 38 min
